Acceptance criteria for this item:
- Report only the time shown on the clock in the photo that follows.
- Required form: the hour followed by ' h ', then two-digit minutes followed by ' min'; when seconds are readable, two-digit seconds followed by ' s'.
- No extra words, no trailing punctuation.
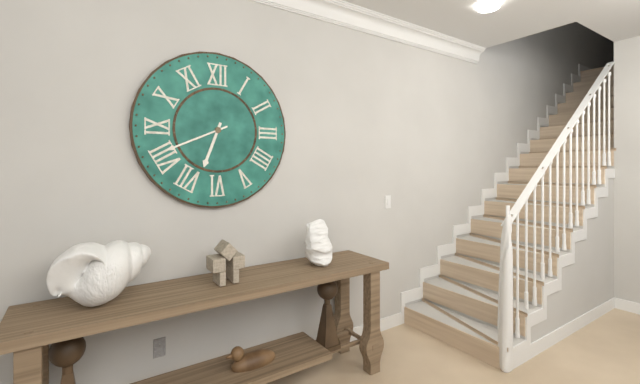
6 h 41 min
